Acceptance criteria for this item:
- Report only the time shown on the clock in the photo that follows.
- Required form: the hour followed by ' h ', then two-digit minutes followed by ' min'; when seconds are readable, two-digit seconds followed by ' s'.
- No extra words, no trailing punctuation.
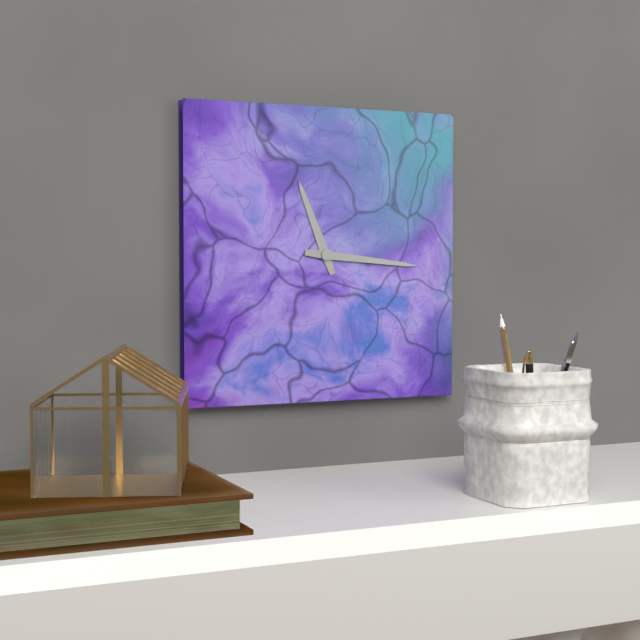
11 h 16 min
